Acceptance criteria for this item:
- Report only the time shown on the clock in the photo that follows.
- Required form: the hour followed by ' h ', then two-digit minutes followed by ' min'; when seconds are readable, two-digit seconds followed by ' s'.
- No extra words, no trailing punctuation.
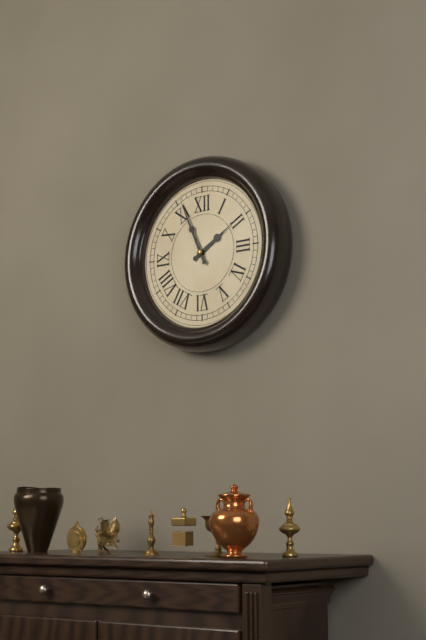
1 h 56 min
